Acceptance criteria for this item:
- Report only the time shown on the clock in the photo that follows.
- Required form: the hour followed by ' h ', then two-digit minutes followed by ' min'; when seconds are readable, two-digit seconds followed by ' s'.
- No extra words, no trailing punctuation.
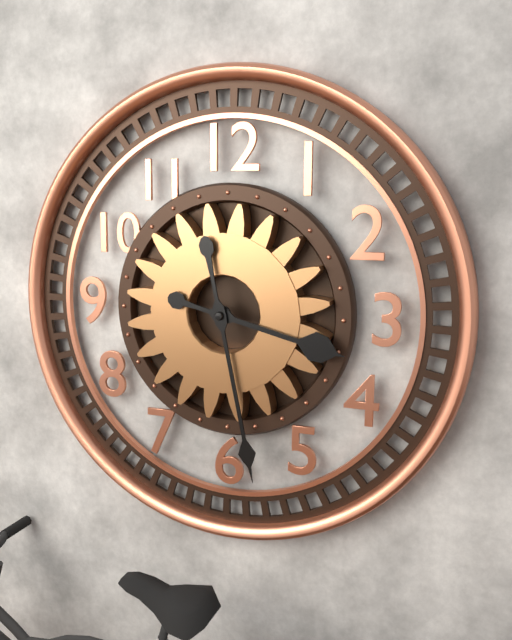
3 h 28 min
